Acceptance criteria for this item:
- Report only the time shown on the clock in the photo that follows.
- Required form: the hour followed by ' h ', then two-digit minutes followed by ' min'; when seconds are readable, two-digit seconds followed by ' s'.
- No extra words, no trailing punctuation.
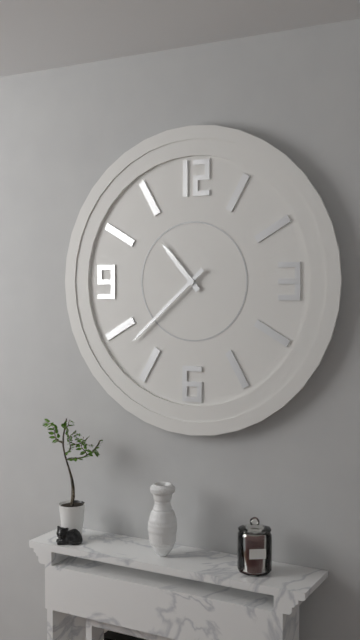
10 h 38 min
